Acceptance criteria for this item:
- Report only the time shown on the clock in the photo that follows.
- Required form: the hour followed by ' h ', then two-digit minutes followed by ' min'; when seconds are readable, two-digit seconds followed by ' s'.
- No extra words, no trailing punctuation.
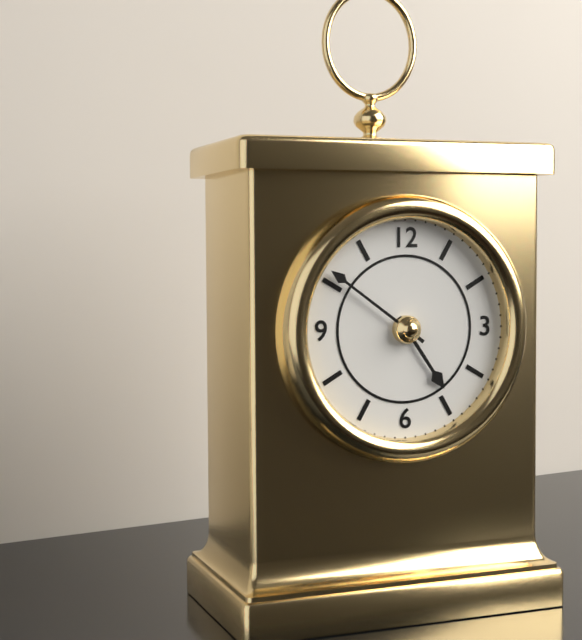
4 h 51 min
